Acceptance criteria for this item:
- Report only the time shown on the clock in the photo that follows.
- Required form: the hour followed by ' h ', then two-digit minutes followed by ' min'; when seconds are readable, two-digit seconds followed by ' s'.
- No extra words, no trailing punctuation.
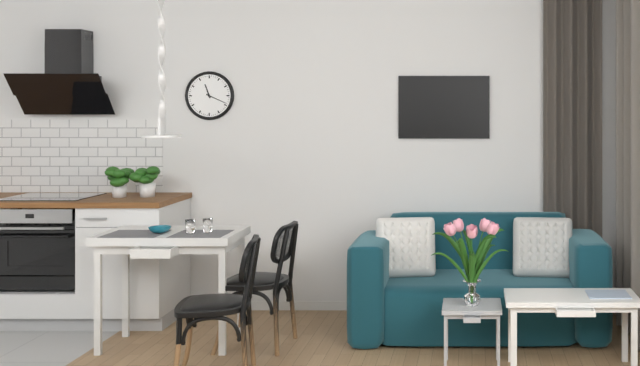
11 h 19 min
